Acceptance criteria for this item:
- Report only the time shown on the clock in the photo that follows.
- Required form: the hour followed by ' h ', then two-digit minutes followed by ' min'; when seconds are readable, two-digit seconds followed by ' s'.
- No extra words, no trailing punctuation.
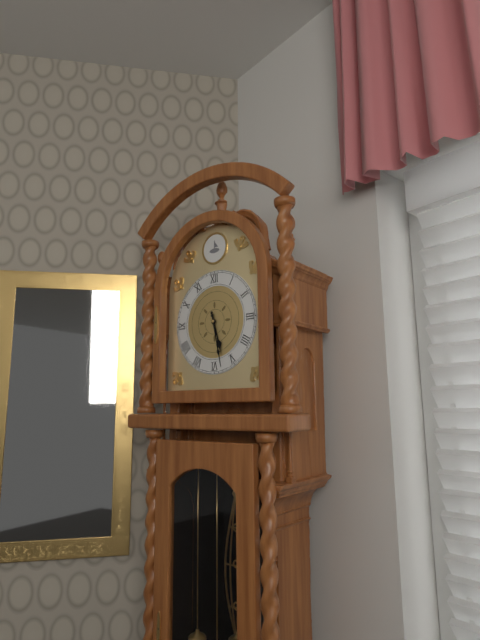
5 h 28 min
